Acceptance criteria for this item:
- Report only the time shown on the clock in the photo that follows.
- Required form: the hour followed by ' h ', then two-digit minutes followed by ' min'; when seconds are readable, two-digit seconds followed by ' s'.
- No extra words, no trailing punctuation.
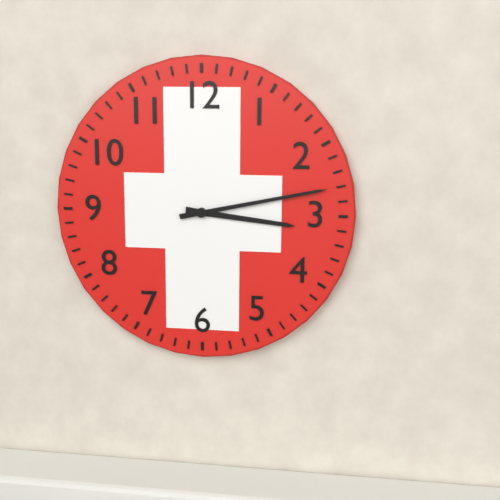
3 h 13 min
